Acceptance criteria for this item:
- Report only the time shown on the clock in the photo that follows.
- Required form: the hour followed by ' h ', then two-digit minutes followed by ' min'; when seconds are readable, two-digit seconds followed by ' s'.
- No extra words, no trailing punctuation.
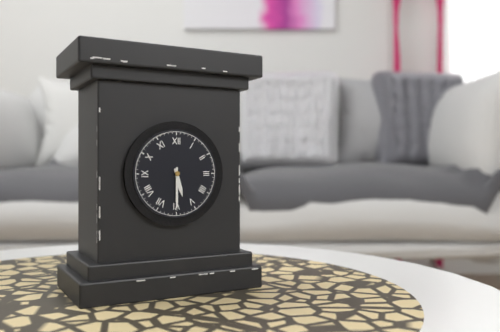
5 h 30 min
